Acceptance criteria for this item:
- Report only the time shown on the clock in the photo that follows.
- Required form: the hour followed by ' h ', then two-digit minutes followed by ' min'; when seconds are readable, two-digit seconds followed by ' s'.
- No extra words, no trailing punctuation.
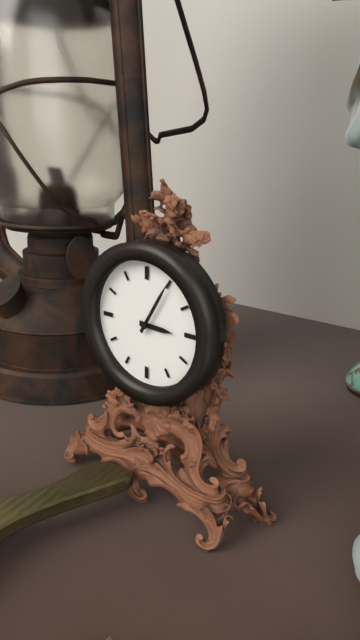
3 h 05 min
